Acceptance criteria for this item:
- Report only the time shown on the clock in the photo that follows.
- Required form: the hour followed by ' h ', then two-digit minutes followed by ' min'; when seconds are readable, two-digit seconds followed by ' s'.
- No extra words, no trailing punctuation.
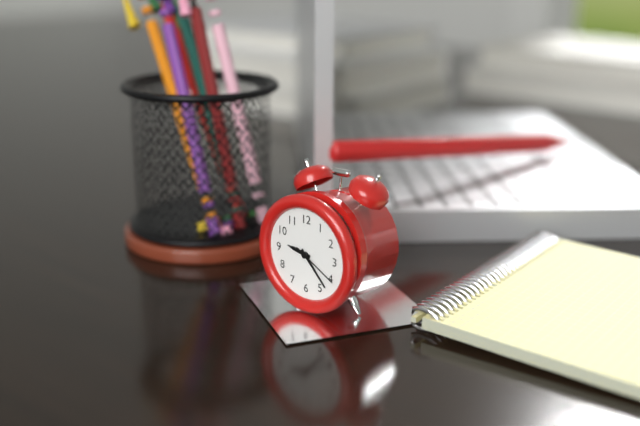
9 h 23 min
